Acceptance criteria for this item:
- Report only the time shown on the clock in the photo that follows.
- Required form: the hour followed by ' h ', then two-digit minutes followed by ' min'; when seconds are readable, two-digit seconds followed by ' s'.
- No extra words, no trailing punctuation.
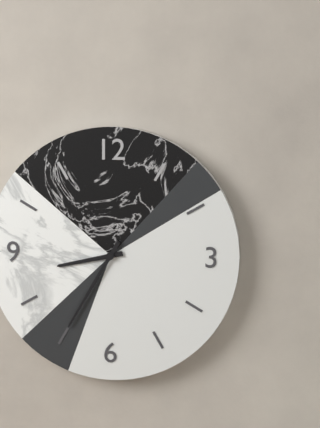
8 h 35 min
